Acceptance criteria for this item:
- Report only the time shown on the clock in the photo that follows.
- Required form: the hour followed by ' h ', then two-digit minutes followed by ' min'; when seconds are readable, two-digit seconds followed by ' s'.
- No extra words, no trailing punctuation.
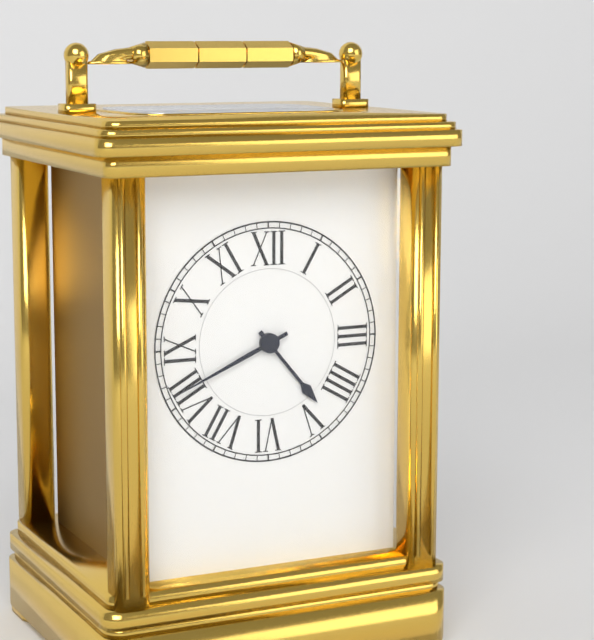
4 h 41 min
